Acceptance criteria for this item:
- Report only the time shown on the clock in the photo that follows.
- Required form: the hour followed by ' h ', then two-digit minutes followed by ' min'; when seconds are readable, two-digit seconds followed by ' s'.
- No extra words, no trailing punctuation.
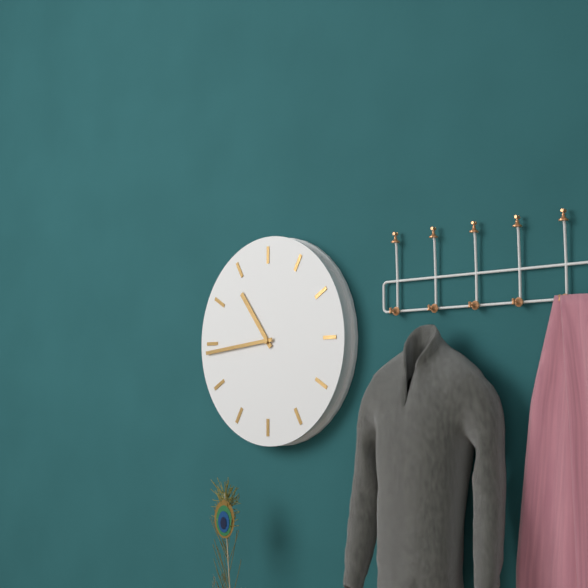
10 h 44 min
